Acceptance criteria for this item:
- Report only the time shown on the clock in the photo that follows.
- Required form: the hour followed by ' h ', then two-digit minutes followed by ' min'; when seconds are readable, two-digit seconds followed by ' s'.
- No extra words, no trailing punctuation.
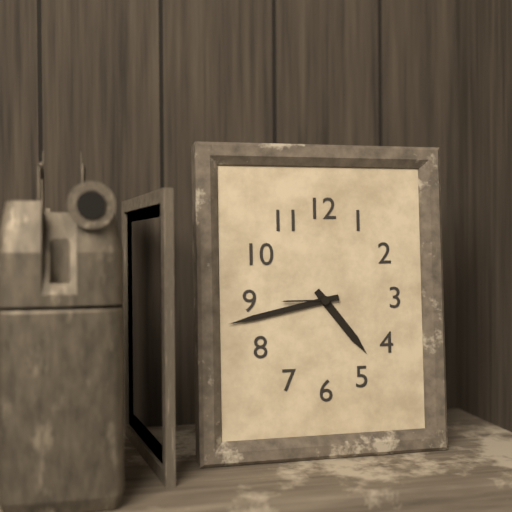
4 h 43 min 45 s
